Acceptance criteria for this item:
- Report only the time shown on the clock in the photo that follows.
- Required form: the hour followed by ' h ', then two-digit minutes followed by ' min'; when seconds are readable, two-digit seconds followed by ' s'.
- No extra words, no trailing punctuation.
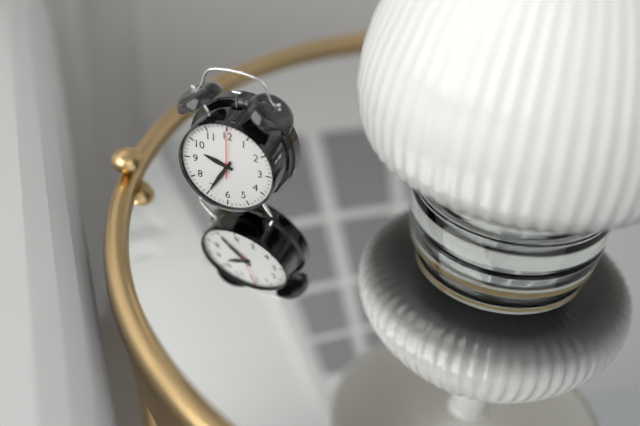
9 h 35 min
